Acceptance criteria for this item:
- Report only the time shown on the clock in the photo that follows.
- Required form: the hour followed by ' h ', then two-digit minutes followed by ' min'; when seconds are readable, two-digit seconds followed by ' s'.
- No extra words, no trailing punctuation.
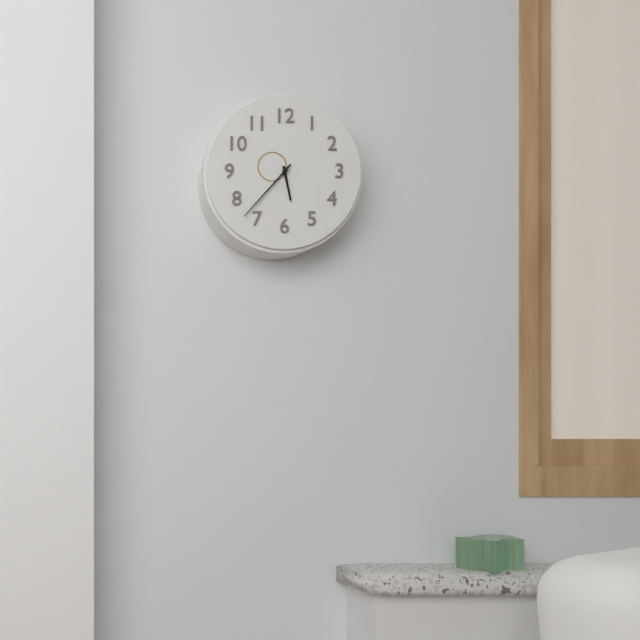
5 h 37 min
